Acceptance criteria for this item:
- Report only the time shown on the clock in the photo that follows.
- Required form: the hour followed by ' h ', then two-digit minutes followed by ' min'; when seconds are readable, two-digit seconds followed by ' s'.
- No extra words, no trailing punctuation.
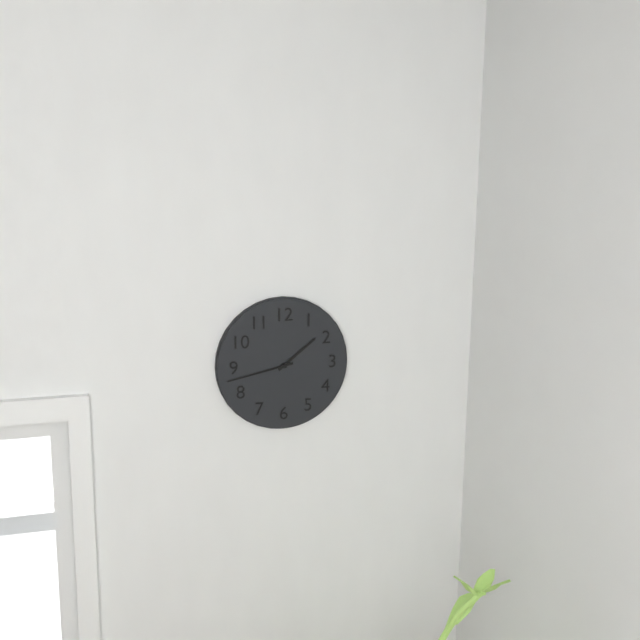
1 h 43 min
